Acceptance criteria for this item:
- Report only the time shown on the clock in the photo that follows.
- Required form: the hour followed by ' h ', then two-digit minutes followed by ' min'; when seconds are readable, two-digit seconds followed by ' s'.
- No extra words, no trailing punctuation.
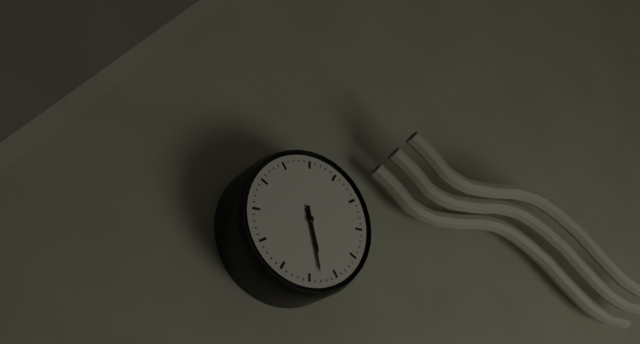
5 h 28 min
